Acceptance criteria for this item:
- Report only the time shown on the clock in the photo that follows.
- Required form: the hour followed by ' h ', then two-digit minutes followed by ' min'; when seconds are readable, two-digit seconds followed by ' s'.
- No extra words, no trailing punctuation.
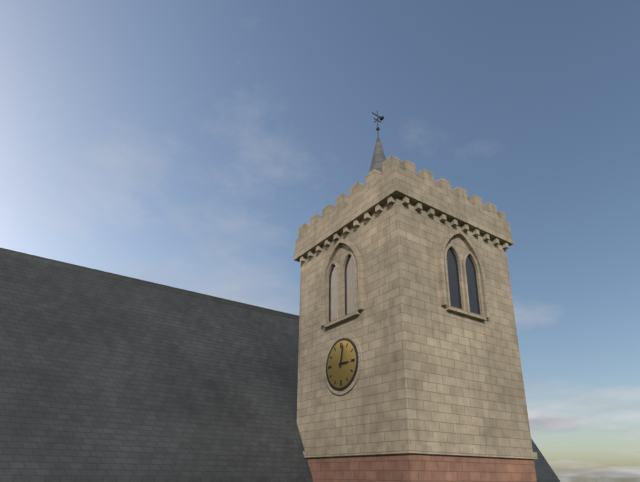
3 h 02 min
